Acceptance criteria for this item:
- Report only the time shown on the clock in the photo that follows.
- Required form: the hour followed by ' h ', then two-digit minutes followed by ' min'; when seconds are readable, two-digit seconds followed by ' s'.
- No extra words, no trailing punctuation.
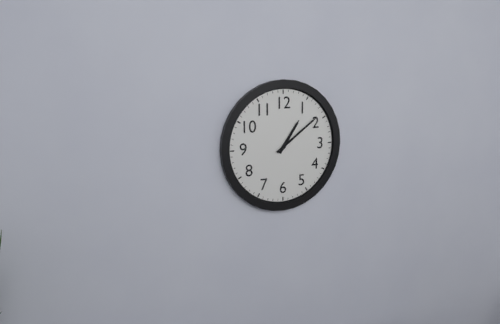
1 h 09 min
